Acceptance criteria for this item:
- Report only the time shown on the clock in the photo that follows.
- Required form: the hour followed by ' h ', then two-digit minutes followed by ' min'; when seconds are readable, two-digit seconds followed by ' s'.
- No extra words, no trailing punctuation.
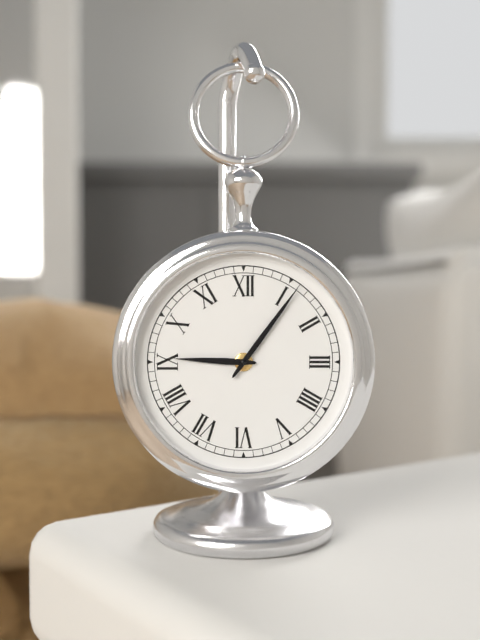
9 h 06 min
